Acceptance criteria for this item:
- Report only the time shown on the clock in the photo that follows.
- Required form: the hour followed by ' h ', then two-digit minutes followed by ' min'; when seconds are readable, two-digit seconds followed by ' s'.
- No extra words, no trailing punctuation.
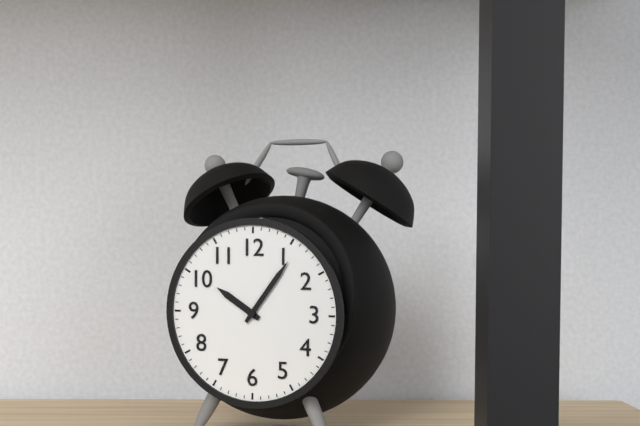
10 h 06 min
